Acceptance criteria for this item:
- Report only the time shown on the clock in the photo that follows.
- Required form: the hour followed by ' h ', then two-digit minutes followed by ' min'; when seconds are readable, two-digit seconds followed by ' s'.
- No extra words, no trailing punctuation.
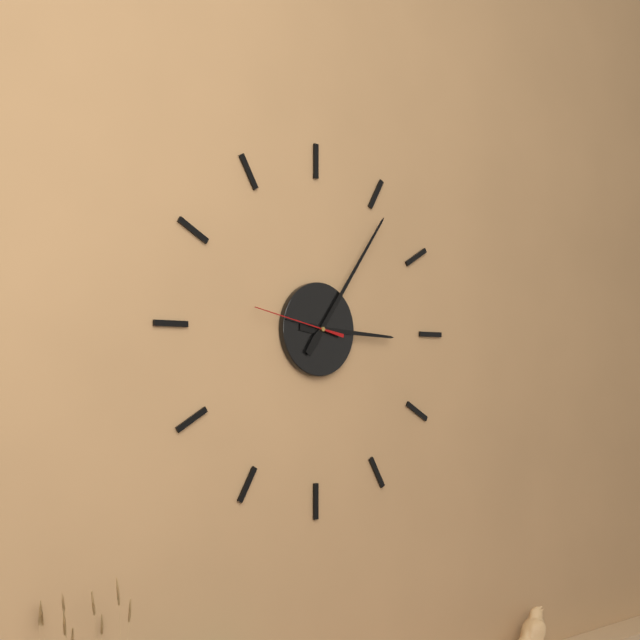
3 h 06 min 47 s
